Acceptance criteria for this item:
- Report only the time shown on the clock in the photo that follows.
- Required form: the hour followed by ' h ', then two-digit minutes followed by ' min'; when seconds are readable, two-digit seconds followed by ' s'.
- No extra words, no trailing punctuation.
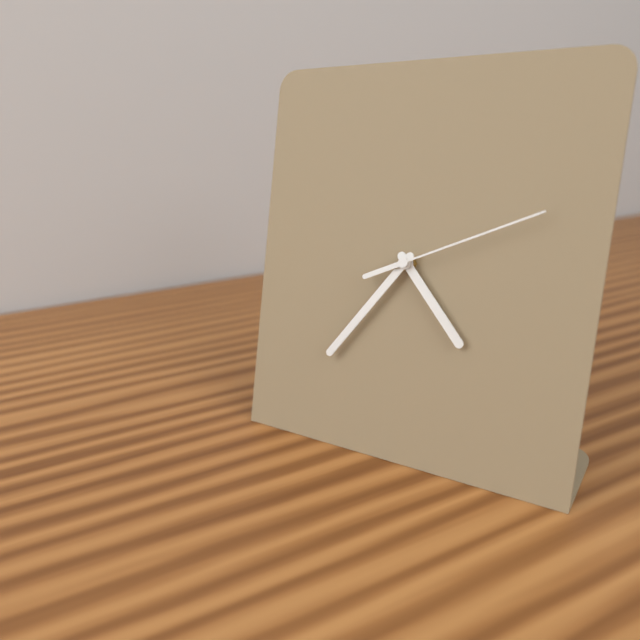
4 h 36 min 11 s
